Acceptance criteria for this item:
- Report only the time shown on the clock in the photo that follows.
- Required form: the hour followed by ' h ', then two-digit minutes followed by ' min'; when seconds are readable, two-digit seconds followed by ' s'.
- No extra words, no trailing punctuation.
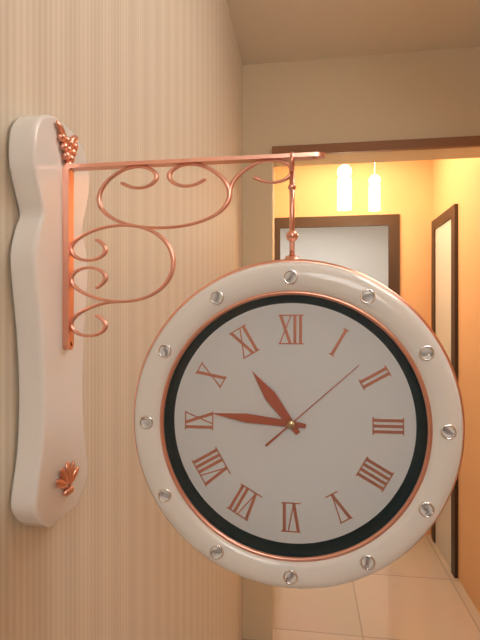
10 h 46 min 08 s
